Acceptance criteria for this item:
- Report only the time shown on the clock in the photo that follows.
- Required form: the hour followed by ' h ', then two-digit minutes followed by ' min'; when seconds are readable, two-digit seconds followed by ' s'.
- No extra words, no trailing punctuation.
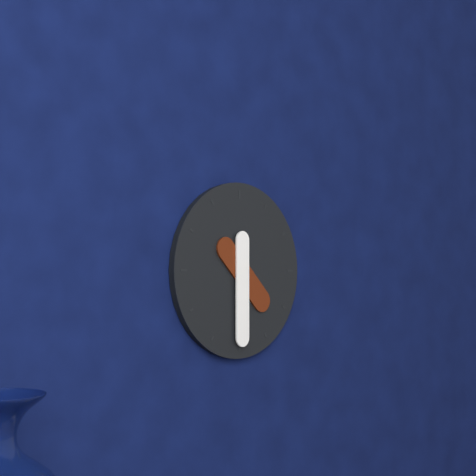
4 h 30 min
